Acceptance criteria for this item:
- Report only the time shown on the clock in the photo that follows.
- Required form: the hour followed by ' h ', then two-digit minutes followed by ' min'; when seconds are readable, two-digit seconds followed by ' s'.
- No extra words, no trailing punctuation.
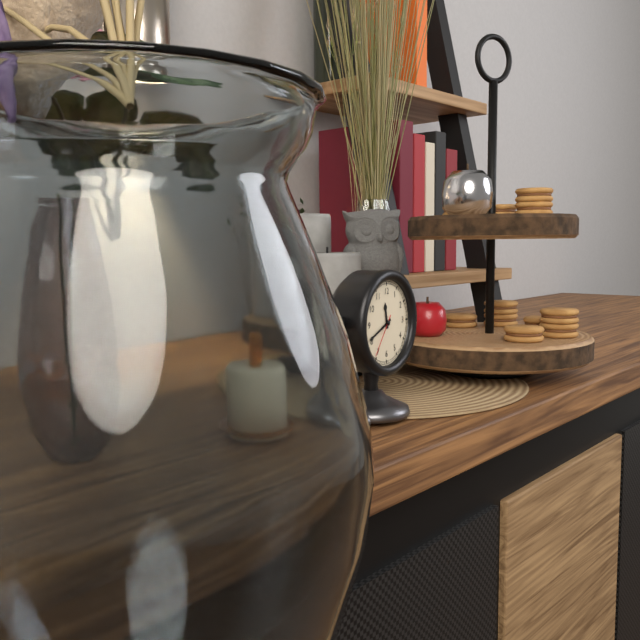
11 h 41 min
